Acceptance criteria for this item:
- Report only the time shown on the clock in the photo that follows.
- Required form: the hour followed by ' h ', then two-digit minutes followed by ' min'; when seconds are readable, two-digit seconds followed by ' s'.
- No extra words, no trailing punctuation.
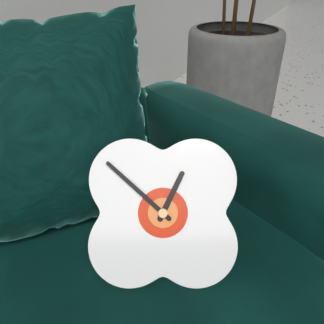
12 h 52 min
